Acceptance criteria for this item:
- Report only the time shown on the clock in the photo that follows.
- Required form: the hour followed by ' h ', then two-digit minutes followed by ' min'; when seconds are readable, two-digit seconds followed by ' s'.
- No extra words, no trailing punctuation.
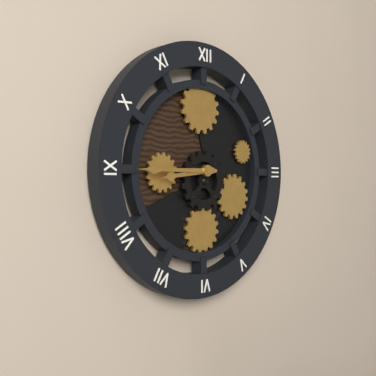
8 h 45 min
